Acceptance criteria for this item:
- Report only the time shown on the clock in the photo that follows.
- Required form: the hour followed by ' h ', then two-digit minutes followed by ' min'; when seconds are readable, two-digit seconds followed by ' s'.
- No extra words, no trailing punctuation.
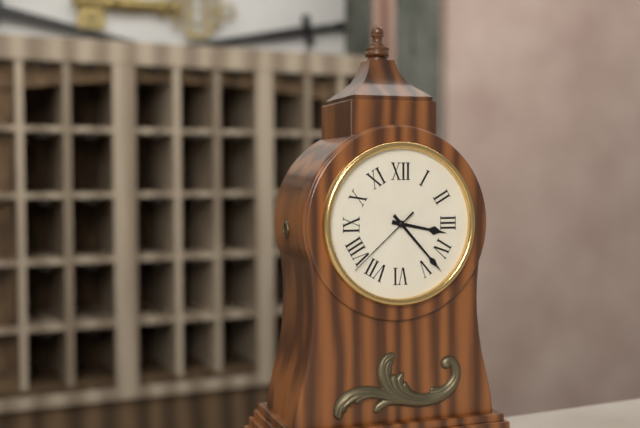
3 h 23 min 38 s
